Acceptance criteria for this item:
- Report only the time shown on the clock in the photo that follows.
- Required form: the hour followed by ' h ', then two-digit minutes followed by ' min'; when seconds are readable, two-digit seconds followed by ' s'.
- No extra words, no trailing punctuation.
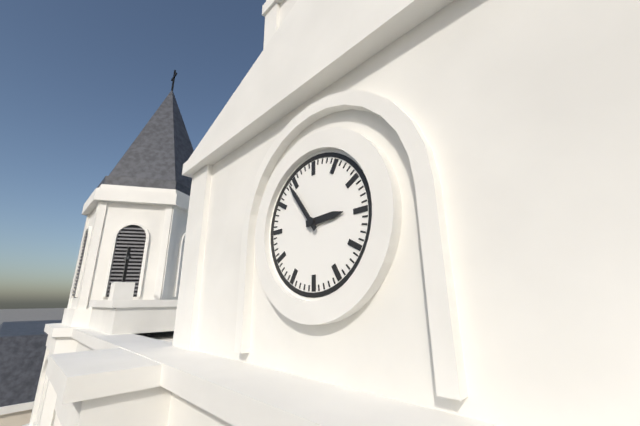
2 h 54 min
